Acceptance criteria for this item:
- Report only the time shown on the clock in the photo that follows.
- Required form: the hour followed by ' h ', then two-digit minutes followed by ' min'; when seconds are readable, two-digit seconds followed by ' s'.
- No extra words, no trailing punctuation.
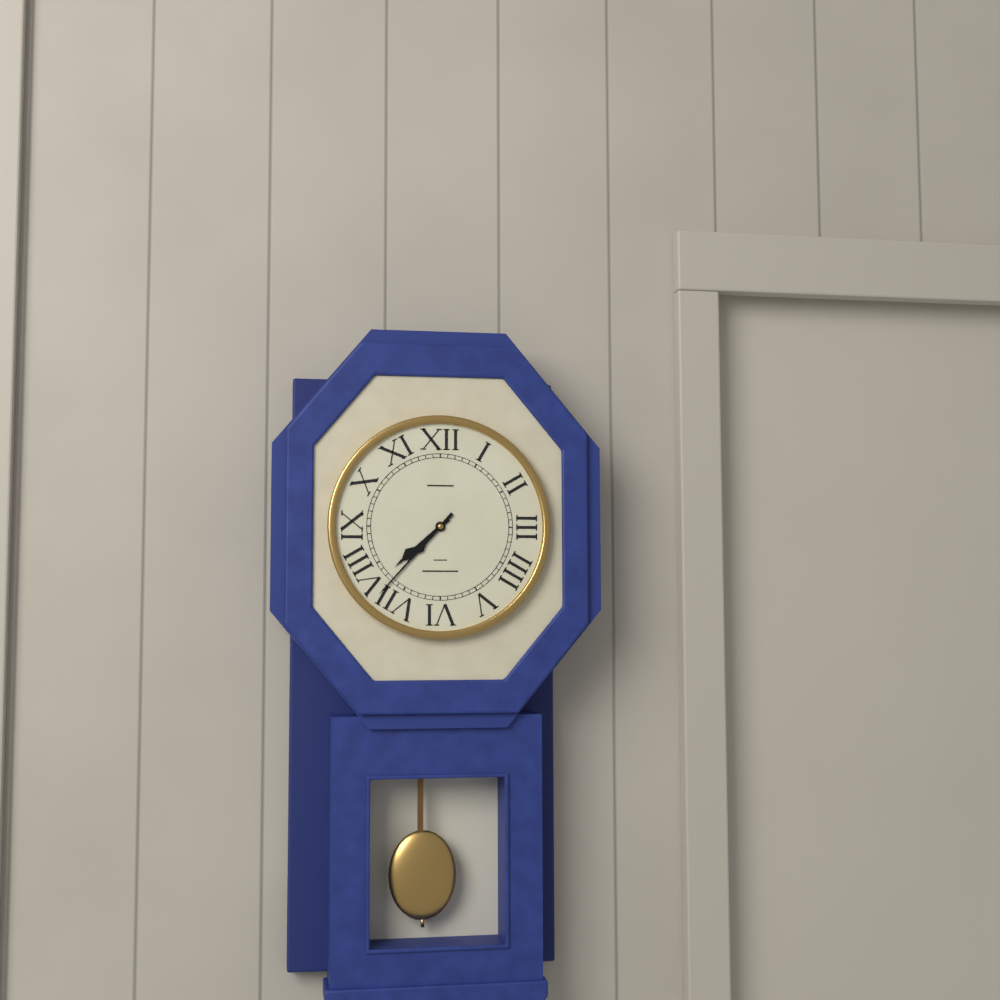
7 h 37 min
